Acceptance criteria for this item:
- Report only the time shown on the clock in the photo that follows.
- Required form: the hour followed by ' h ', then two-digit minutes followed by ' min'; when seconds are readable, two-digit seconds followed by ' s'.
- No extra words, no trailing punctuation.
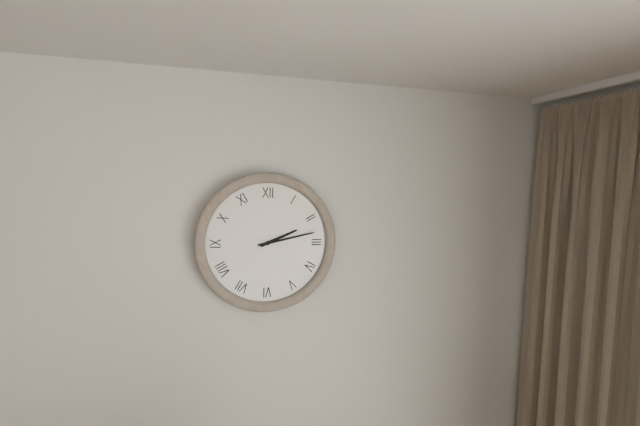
2 h 13 min
